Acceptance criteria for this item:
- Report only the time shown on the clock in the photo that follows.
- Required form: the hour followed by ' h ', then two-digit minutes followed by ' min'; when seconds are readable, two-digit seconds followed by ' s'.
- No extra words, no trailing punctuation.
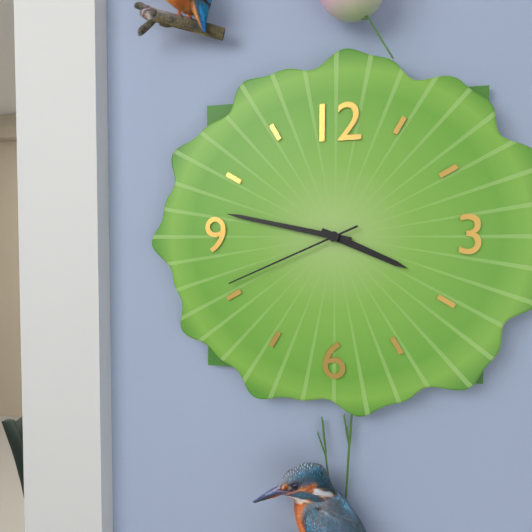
3 h 47 min 41 s
